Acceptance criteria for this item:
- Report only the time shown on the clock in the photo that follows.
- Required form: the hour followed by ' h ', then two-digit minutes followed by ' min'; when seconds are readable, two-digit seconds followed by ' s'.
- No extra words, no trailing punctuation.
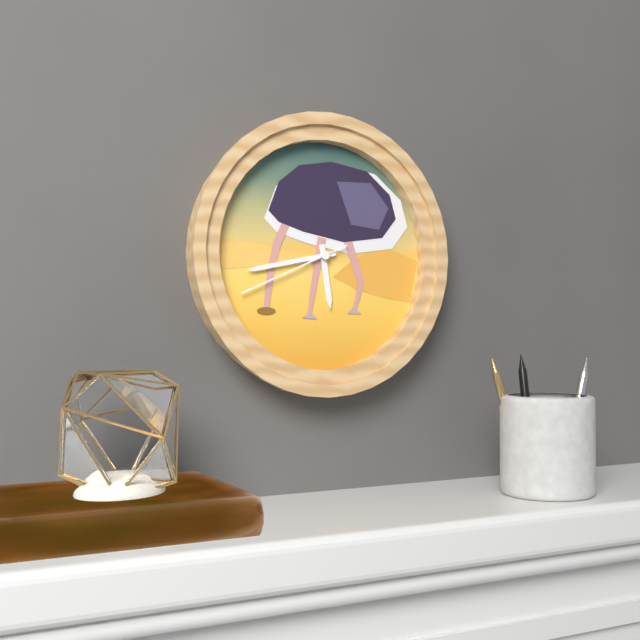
5 h 43 min 41 s
